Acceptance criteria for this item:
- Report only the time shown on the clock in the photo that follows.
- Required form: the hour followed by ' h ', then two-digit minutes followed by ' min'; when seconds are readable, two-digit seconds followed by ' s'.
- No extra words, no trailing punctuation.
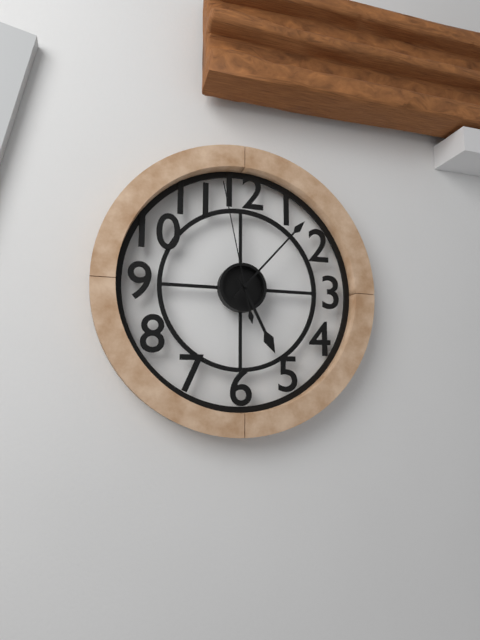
5 h 07 min 58 s
